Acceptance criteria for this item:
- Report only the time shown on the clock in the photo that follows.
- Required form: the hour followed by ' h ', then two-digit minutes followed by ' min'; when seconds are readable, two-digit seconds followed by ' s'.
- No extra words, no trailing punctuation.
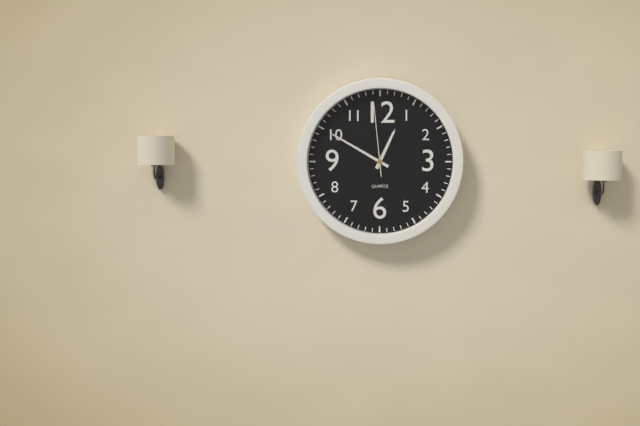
12 h 50 min 59 s
